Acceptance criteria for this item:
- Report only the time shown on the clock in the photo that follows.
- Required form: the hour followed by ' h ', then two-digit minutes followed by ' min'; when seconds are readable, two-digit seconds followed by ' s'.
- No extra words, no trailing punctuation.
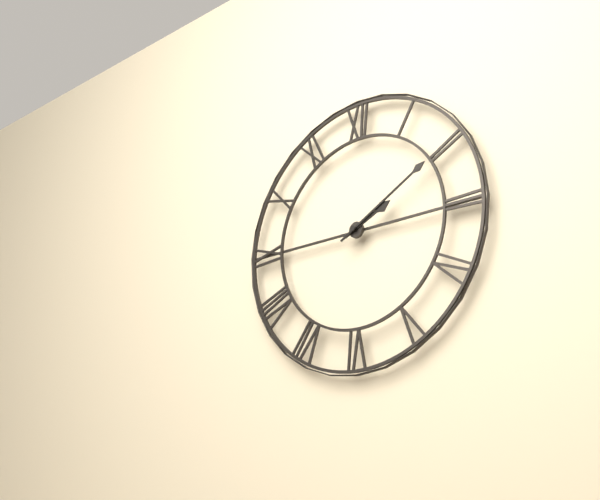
2 h 10 min
